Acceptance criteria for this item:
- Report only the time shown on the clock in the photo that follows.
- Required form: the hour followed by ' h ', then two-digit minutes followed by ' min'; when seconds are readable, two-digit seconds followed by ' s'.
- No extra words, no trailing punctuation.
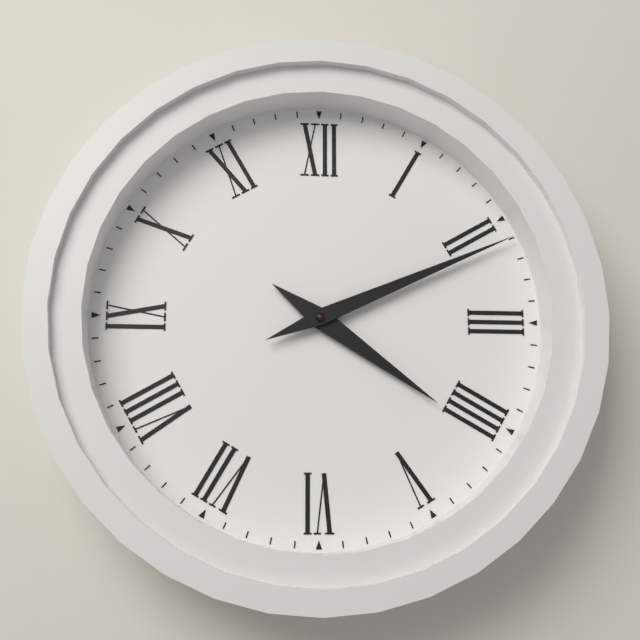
4 h 11 min
